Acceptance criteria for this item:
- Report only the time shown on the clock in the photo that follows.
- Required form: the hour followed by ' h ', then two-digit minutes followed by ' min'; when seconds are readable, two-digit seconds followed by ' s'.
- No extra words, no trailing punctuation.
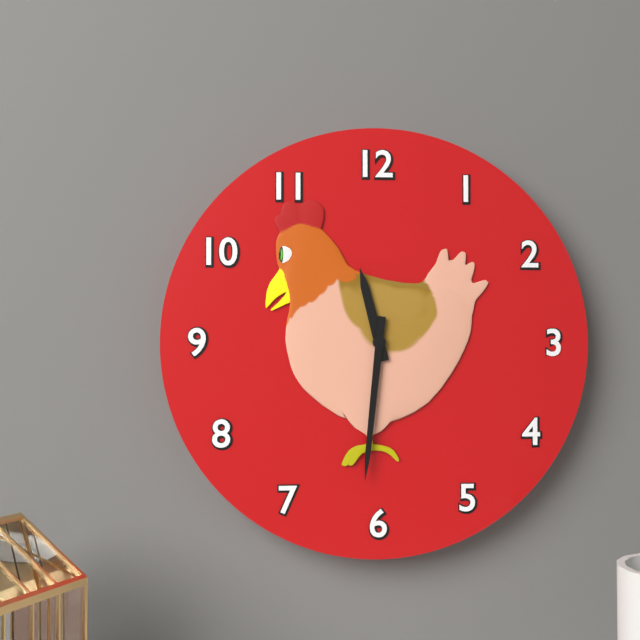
11 h 31 min
